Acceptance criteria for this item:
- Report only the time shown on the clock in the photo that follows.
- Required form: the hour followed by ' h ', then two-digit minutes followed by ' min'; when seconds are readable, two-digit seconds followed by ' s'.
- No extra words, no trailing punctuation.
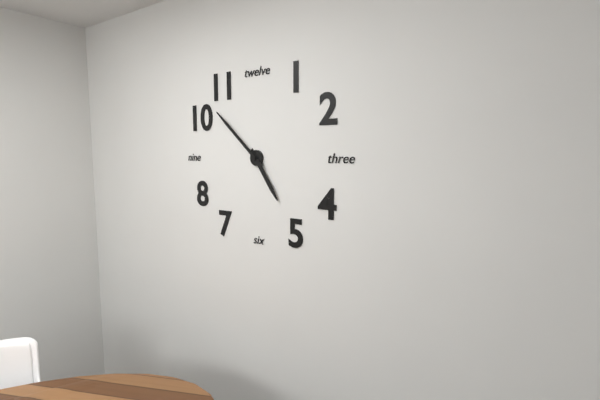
4 h 52 min
